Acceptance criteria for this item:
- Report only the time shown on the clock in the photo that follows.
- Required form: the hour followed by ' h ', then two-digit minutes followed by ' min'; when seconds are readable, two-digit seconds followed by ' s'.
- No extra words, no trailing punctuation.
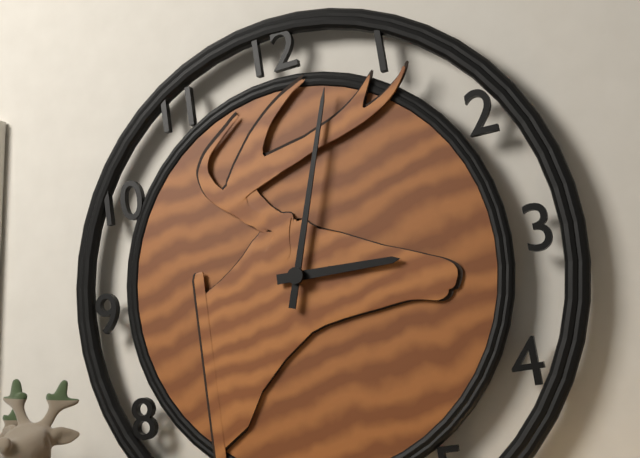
3 h 03 min
